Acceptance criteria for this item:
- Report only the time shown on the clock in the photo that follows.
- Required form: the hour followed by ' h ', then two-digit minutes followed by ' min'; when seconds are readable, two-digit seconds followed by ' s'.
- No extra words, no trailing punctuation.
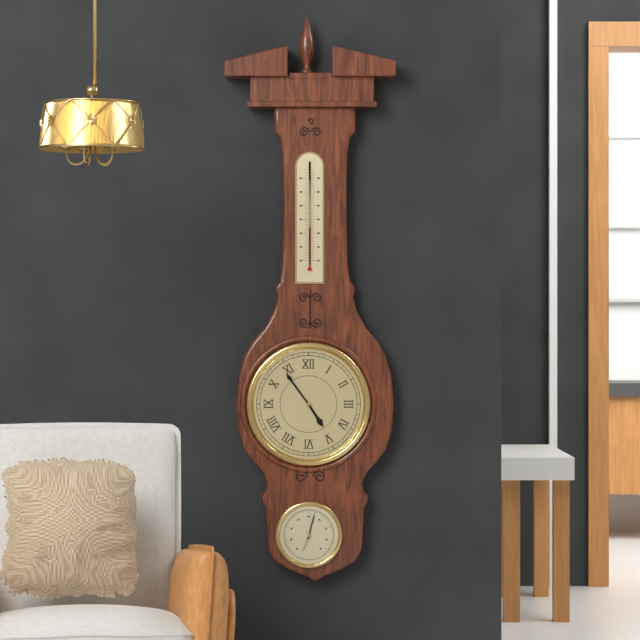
4 h 54 min
